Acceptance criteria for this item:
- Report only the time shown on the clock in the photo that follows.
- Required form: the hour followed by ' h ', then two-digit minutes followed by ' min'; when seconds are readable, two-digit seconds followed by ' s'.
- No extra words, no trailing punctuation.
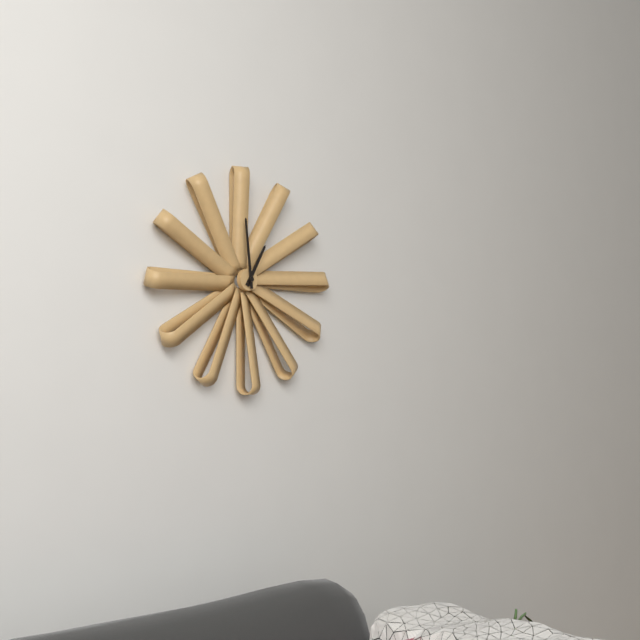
12 h 59 min
